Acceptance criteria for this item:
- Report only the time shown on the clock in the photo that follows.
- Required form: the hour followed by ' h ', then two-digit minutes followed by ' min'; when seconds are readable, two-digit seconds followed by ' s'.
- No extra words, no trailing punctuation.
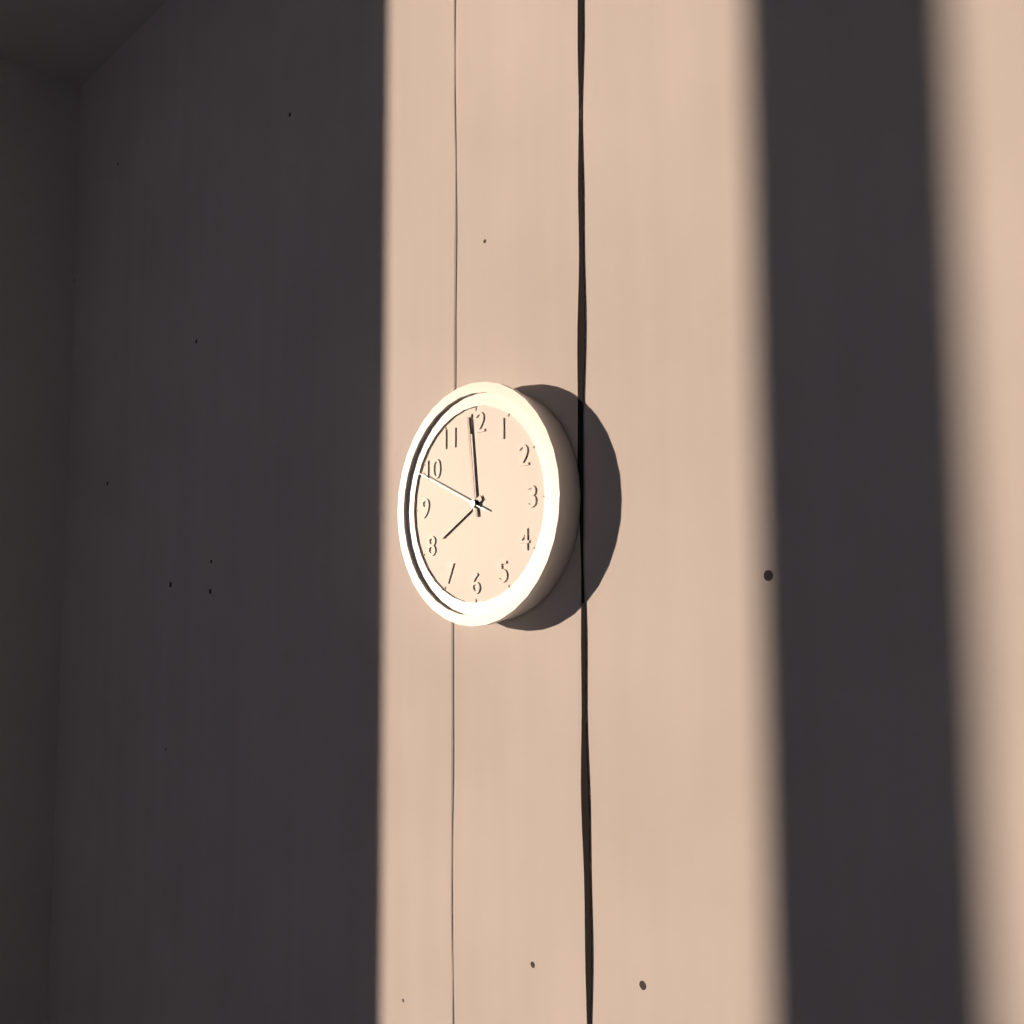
7 h 59 min 49 s
